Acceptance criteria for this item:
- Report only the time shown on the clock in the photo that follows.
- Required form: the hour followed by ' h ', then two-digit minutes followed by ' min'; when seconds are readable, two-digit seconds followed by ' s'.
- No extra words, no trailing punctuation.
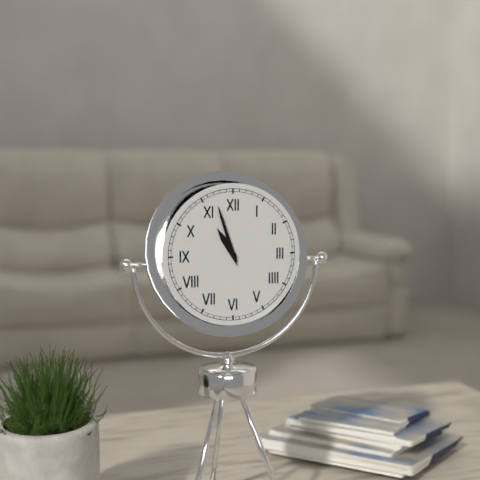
10 h 57 min
